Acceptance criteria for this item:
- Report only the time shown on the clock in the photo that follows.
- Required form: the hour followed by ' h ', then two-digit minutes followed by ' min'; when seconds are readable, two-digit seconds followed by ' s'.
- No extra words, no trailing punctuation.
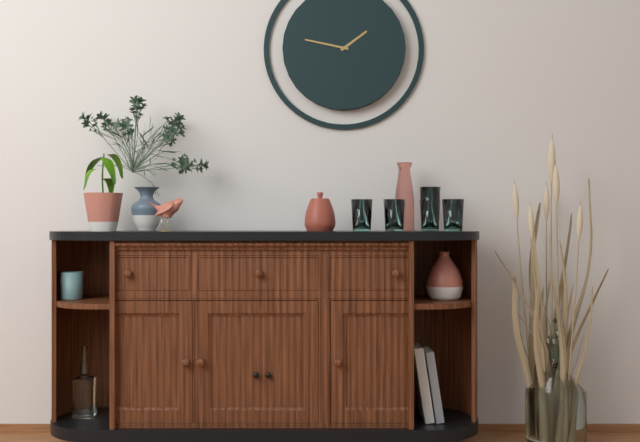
1 h 47 min
